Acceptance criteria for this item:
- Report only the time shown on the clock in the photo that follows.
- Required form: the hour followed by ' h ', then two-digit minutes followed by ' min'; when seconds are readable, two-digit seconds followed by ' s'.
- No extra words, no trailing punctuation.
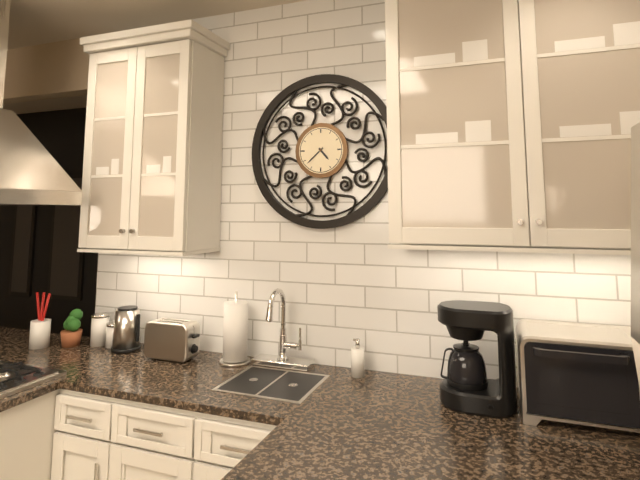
4 h 38 min
